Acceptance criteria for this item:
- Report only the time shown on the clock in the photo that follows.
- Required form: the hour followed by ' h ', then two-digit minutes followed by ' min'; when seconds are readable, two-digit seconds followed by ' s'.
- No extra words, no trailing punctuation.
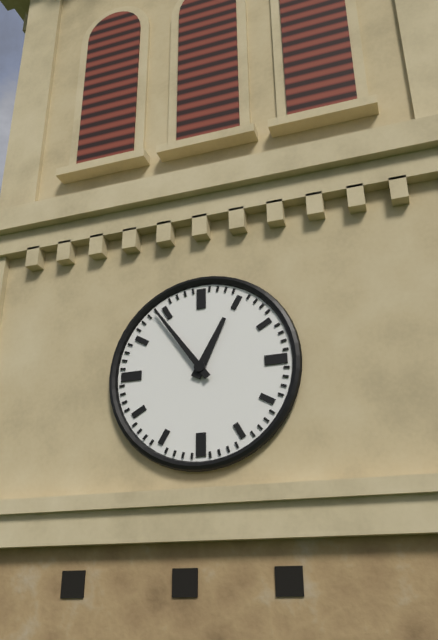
12 h 54 min
